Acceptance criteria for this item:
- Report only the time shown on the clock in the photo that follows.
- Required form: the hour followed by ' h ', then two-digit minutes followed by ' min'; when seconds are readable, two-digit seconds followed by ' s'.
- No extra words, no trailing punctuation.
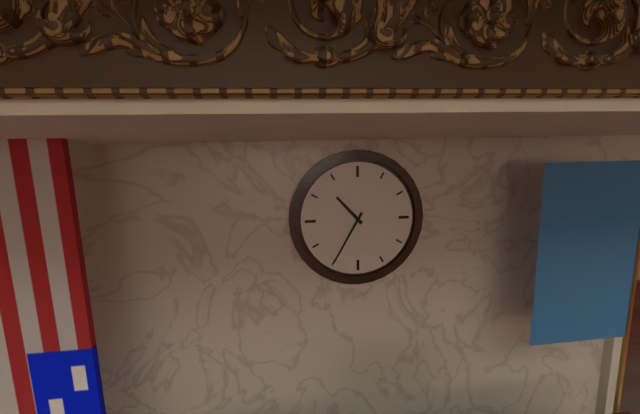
10 h 35 min
